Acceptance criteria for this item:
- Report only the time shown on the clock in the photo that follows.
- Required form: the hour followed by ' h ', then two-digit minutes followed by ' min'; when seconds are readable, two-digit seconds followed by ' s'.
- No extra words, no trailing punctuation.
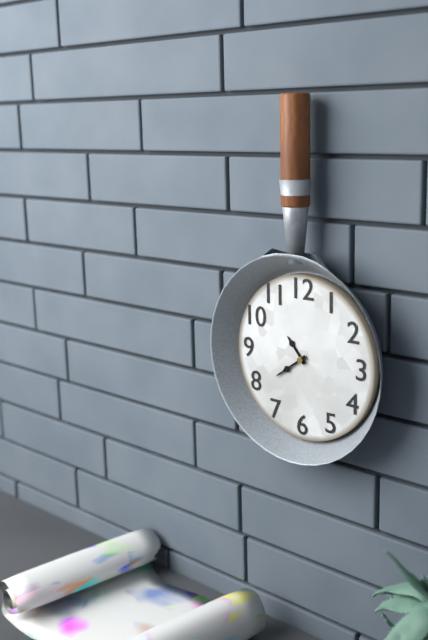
10 h 39 min
